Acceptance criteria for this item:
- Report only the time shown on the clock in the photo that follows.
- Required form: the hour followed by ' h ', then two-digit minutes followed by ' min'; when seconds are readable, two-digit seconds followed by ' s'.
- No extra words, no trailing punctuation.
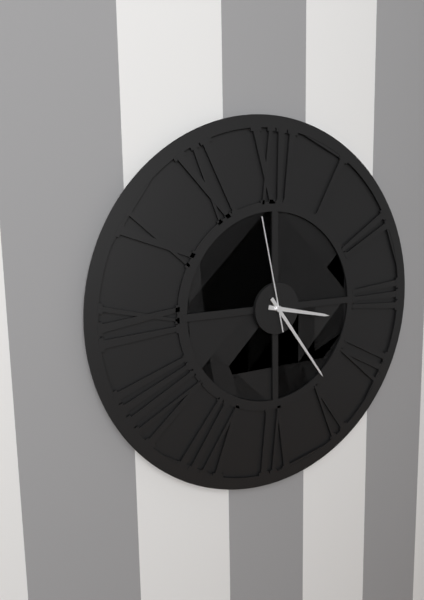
3 h 24 min 58 s
